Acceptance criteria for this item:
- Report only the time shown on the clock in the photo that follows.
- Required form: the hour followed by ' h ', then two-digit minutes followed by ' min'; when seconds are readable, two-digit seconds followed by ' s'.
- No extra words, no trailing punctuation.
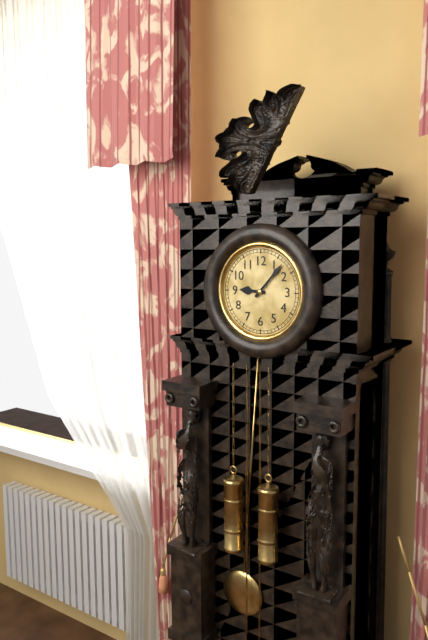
9 h 07 min
